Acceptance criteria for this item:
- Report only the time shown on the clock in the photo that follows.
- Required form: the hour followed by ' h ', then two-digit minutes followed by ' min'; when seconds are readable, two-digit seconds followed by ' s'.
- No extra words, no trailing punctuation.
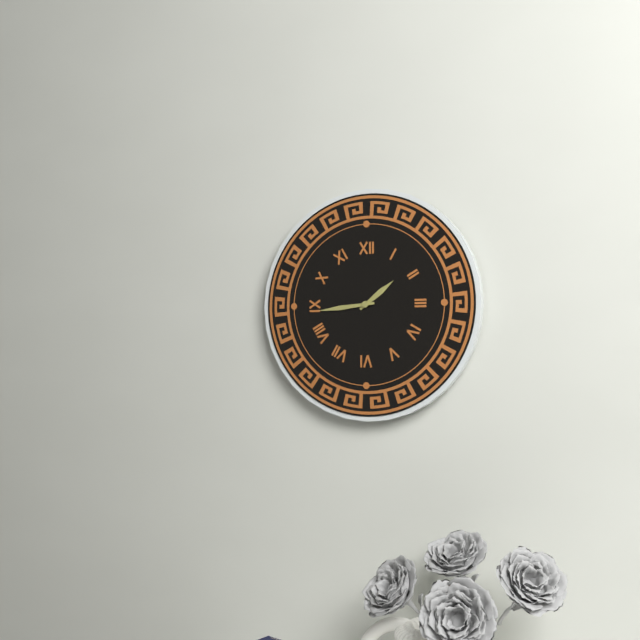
1 h 44 min
